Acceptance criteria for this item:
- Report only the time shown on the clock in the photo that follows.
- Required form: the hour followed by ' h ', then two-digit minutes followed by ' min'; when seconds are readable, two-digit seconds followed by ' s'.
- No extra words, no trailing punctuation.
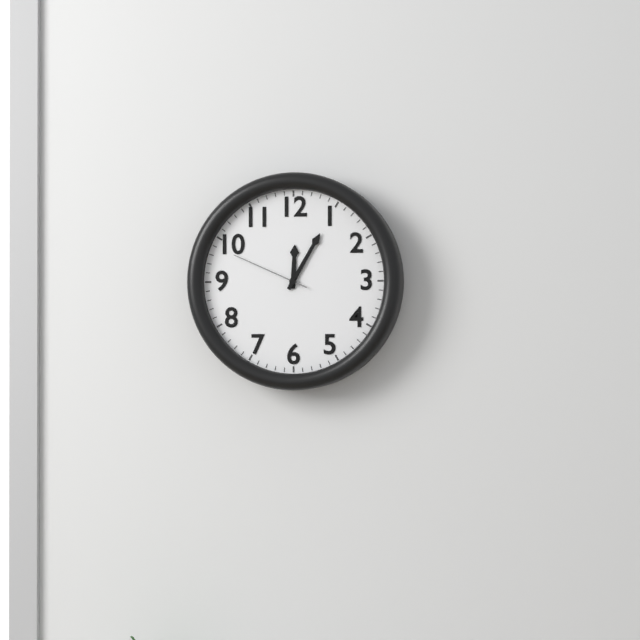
12 h 05 min 49 s
